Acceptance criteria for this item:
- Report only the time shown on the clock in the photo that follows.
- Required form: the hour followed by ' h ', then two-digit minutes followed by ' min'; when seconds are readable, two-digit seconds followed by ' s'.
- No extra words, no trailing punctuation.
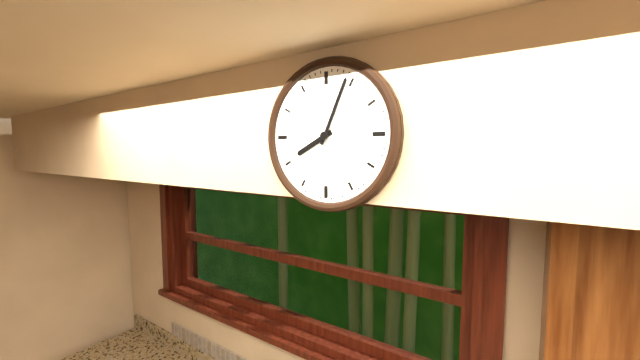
8 h 04 min
